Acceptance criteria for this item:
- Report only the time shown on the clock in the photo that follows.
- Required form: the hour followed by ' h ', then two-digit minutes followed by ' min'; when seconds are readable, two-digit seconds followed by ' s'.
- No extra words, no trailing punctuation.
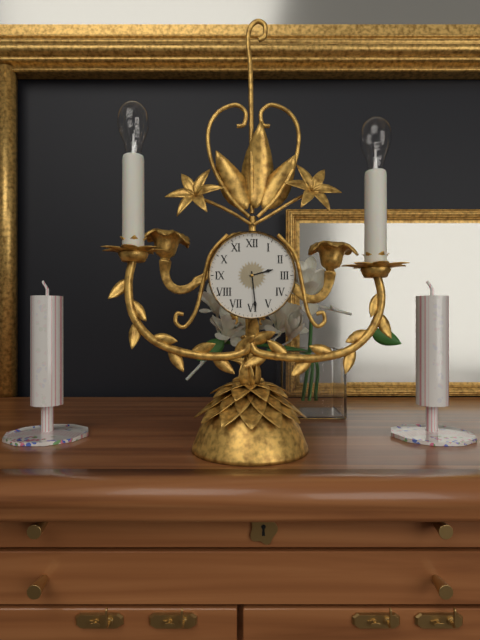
2 h 29 min
